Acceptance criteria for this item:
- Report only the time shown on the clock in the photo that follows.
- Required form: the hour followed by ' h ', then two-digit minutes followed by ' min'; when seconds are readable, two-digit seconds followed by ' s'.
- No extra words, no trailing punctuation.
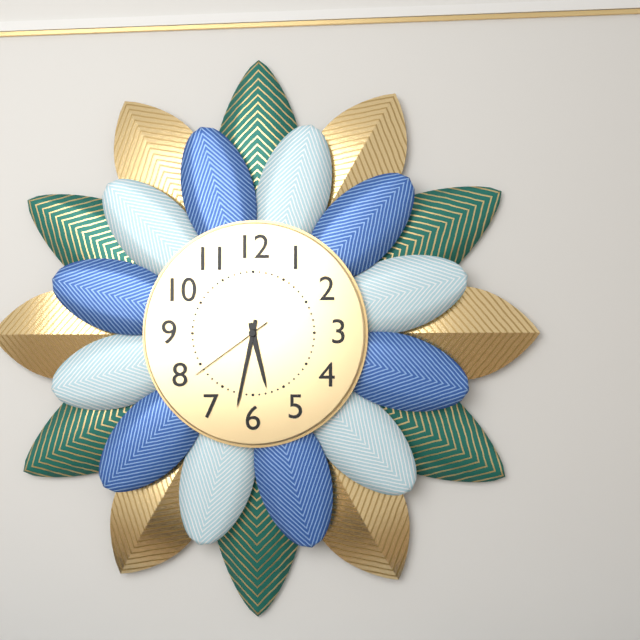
5 h 32 min 39 s
